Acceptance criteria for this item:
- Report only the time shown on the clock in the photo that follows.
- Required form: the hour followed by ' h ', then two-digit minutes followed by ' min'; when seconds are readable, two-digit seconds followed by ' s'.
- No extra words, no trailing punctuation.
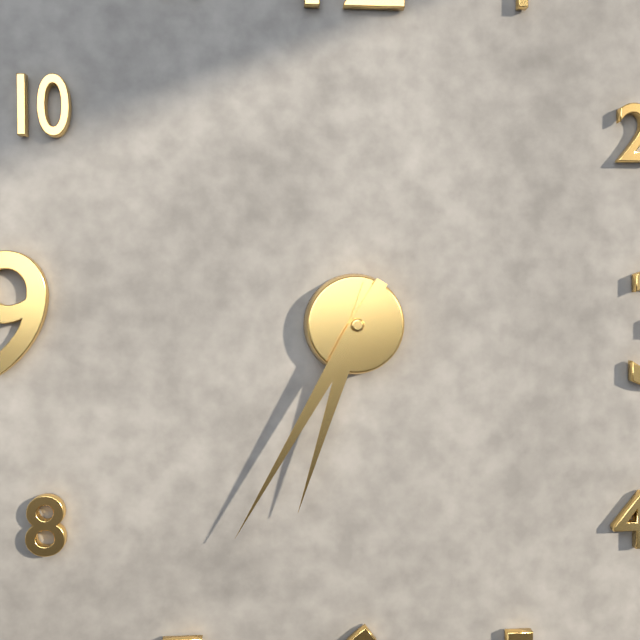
6 h 35 min
